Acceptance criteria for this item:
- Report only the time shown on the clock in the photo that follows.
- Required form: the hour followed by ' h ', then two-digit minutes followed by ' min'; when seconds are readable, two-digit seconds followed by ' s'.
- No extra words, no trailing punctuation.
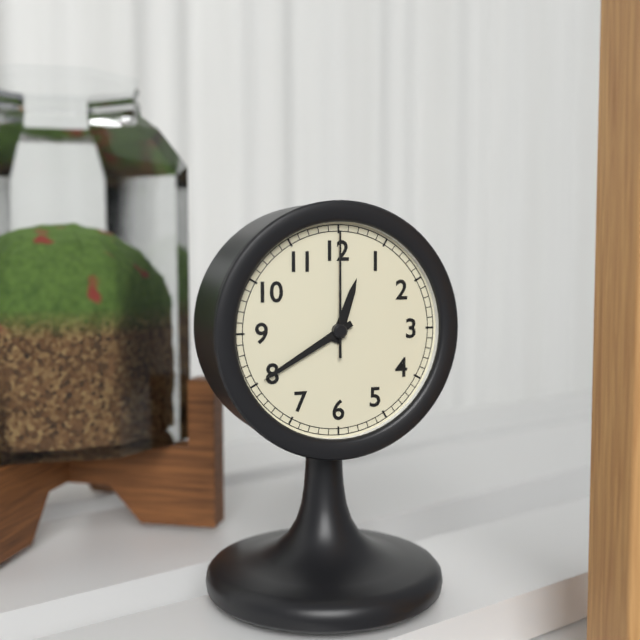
12 h 40 min 00 s
